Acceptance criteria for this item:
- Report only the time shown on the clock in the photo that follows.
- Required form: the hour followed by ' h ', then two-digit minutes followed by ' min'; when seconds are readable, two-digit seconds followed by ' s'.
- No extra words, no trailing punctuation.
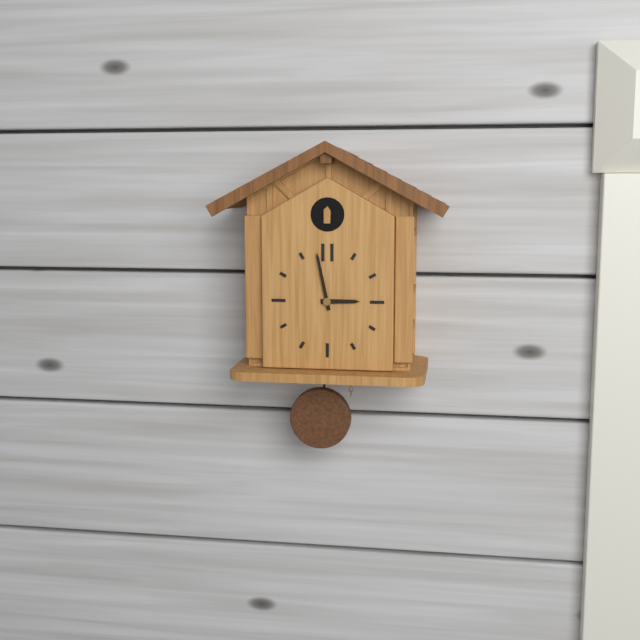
2 h 58 min
